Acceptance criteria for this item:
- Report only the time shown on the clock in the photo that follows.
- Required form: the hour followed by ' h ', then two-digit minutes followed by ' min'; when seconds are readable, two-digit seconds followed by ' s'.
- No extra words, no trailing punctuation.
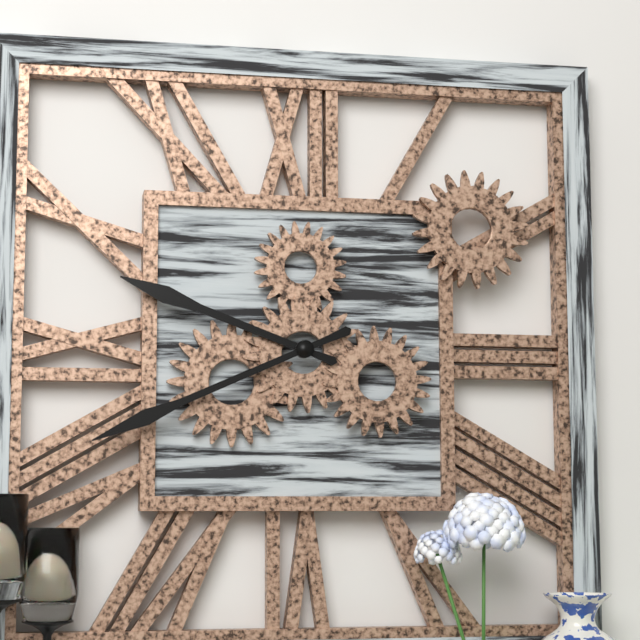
9 h 41 min
